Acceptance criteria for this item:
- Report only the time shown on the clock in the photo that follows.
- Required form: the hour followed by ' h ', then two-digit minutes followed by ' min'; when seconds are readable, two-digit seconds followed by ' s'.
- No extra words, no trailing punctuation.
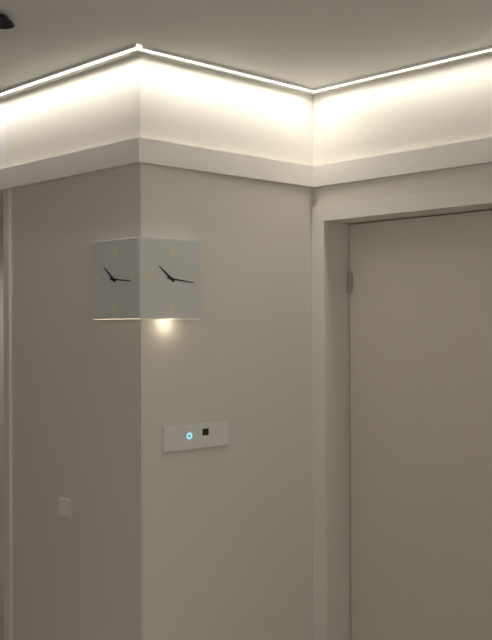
10 h 16 min
